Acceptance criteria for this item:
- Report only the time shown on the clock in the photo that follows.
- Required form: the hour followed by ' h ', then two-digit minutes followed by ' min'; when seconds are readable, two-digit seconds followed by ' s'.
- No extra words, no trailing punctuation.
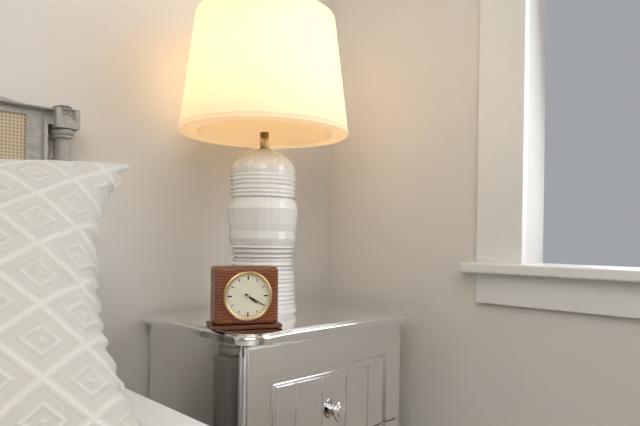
4 h 20 min
